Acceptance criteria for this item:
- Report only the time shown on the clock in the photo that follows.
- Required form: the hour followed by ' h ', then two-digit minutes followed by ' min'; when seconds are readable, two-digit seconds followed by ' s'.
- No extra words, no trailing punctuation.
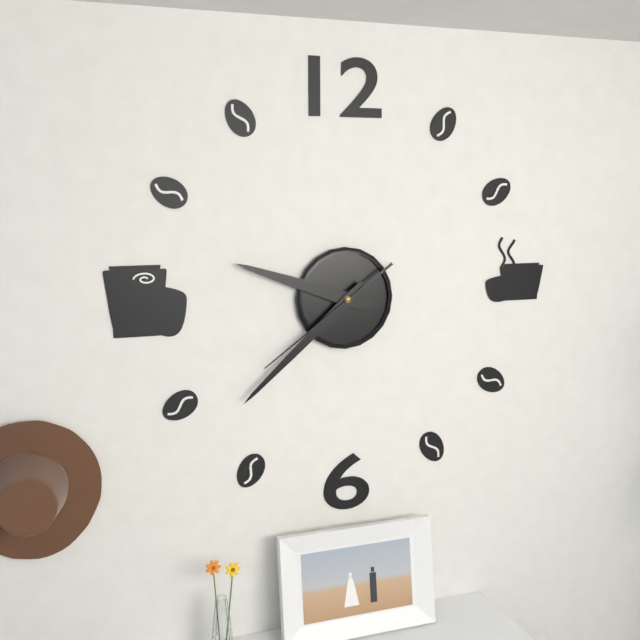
9 h 38 min 39 s
